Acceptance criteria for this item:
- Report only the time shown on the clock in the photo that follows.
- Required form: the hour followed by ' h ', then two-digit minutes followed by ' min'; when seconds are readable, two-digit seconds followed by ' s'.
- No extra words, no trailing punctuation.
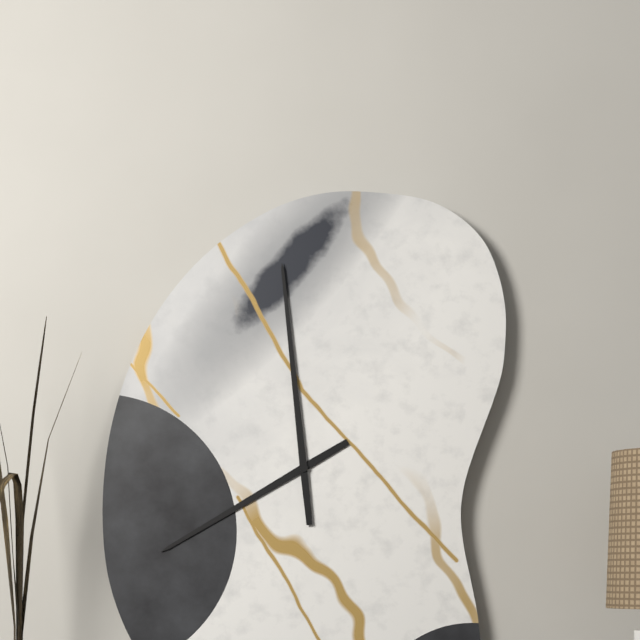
7 h 59 min
